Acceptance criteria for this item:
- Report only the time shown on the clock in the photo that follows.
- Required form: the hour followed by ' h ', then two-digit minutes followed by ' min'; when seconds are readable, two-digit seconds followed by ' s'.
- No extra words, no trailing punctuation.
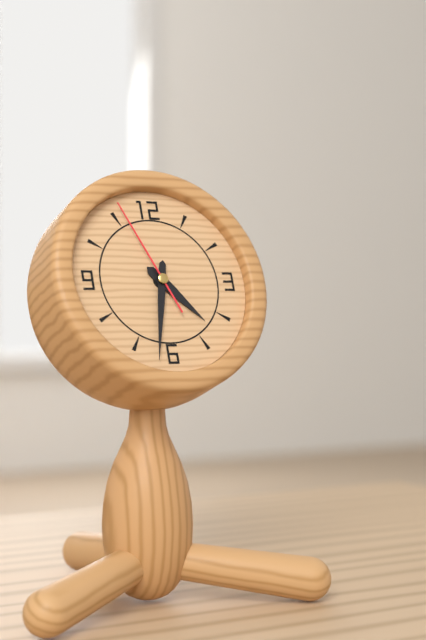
4 h 32 min 56 s
